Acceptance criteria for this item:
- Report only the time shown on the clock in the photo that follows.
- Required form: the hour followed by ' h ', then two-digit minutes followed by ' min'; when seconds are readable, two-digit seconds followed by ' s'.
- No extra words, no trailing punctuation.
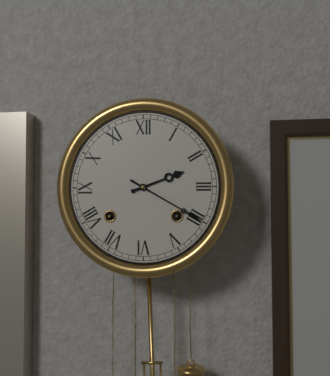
2 h 20 min
